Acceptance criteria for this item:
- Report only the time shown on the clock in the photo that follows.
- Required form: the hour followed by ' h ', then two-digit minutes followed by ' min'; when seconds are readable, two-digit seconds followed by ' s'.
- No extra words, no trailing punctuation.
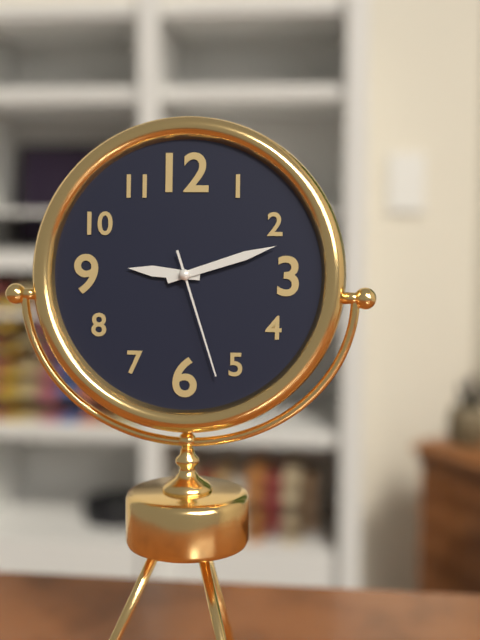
9 h 12 min 27 s
